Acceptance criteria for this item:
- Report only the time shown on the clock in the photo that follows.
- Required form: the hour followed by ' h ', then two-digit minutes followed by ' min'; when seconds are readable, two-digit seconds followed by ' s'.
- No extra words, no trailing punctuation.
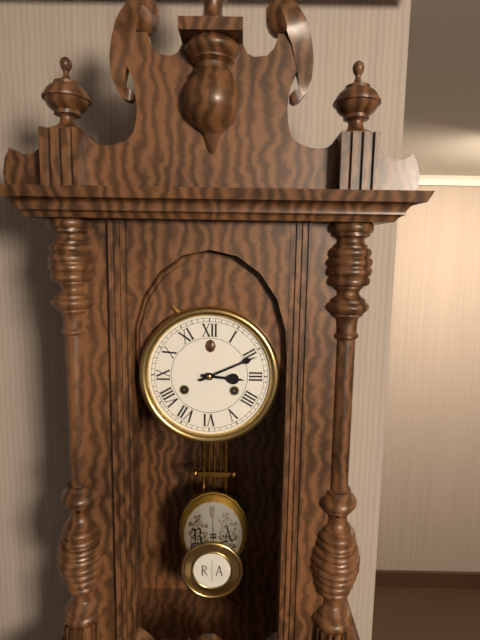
3 h 11 min
